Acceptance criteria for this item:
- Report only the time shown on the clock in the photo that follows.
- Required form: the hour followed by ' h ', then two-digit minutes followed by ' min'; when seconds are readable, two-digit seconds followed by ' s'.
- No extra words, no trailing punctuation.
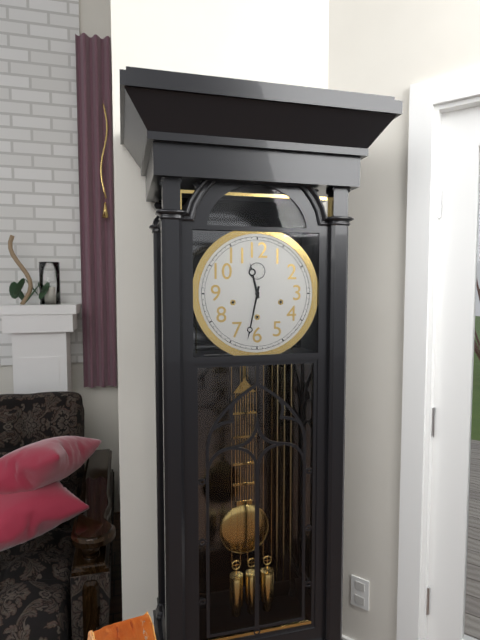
11 h 32 min
